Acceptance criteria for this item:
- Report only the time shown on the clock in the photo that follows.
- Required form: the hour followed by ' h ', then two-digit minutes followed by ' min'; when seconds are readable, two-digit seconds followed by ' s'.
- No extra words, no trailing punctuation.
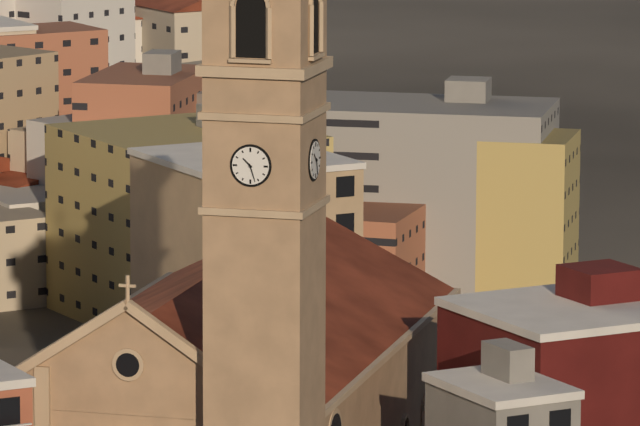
10 h 27 min
